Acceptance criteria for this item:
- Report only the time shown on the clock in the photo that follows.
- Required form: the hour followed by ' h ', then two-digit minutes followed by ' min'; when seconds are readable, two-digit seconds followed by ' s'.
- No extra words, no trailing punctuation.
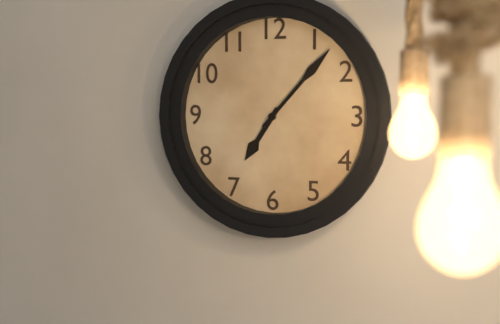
7 h 07 min
